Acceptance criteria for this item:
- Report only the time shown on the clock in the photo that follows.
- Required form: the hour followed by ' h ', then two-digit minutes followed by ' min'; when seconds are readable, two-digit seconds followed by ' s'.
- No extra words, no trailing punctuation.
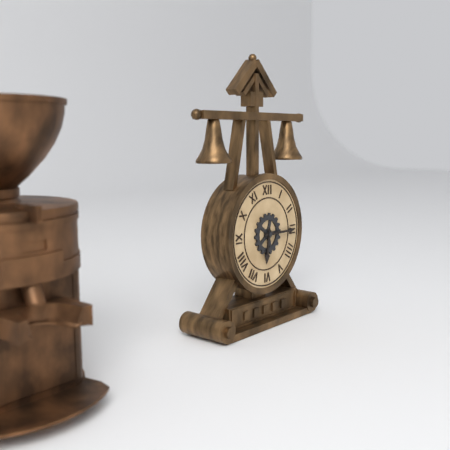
6 h 15 min
